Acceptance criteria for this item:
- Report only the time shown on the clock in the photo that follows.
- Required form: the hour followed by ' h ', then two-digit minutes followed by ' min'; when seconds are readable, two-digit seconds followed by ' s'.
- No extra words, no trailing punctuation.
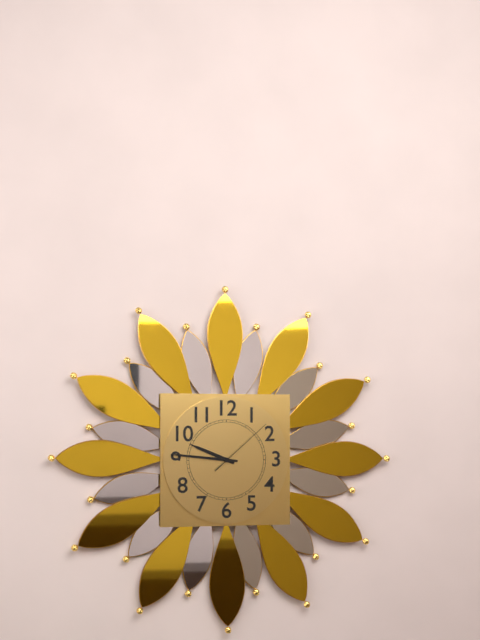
9 h 46 min 08 s
